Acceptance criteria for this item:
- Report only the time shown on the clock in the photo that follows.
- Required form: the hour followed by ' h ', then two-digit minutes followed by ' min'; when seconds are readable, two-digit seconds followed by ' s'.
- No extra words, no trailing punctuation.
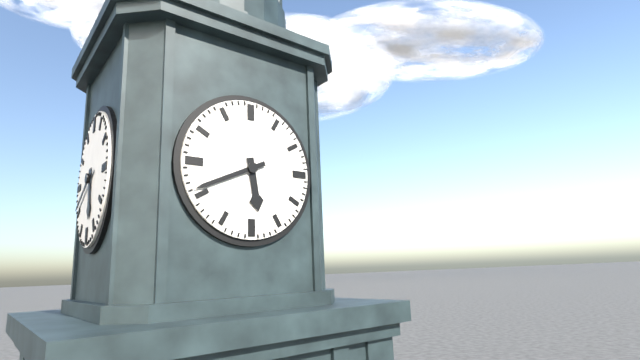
5 h 41 min
